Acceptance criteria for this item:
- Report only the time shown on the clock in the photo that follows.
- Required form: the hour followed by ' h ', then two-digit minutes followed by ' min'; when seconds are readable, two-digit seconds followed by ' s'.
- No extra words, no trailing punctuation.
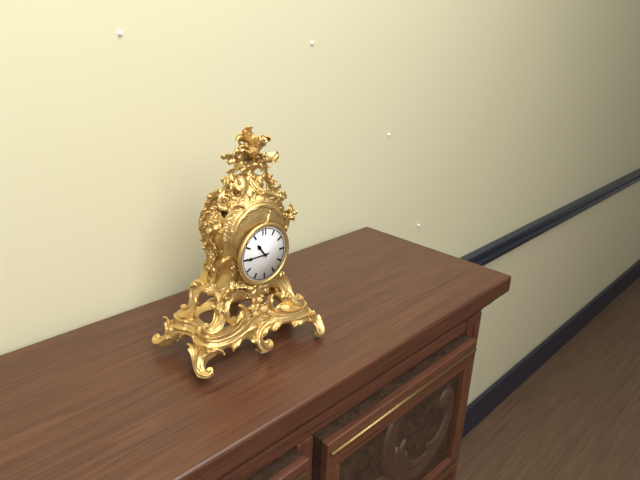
10 h 45 min
